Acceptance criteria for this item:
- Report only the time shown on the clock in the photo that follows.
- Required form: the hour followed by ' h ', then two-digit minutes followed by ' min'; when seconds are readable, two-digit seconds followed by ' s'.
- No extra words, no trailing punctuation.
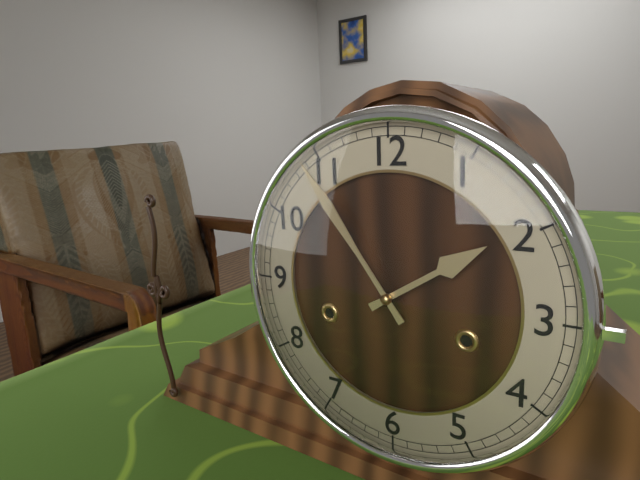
1 h 54 min
